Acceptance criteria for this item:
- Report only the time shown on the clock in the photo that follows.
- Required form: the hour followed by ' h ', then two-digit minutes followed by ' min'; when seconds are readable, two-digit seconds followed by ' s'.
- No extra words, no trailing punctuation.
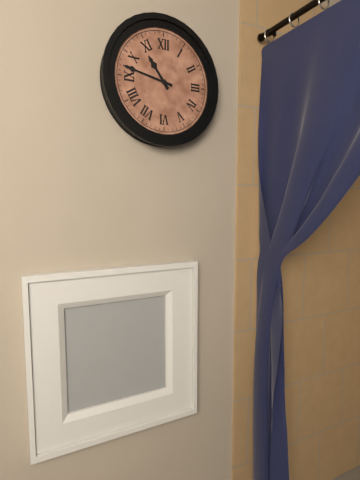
10 h 47 min
